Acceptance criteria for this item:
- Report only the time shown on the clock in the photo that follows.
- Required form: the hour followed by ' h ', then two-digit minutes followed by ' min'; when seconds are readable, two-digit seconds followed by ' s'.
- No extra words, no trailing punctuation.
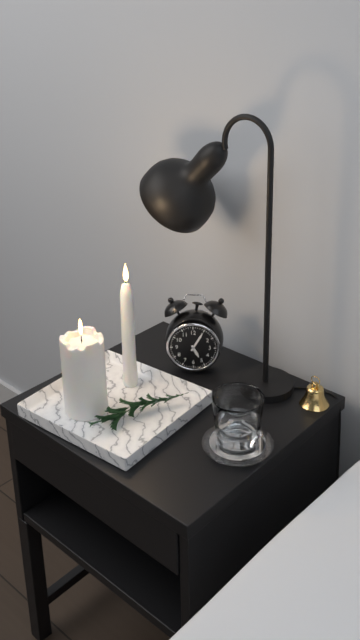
5 h 05 min
